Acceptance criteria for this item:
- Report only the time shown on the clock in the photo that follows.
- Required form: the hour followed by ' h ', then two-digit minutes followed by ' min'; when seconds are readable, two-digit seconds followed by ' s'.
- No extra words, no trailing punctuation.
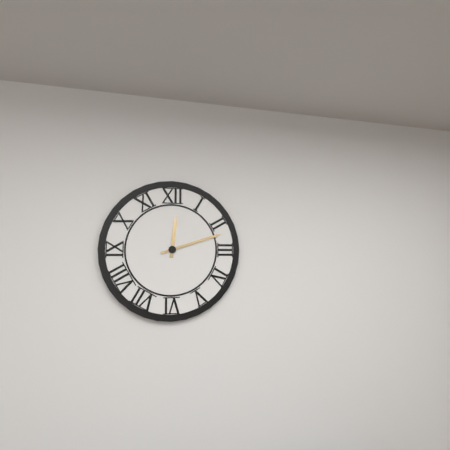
12 h 12 min
